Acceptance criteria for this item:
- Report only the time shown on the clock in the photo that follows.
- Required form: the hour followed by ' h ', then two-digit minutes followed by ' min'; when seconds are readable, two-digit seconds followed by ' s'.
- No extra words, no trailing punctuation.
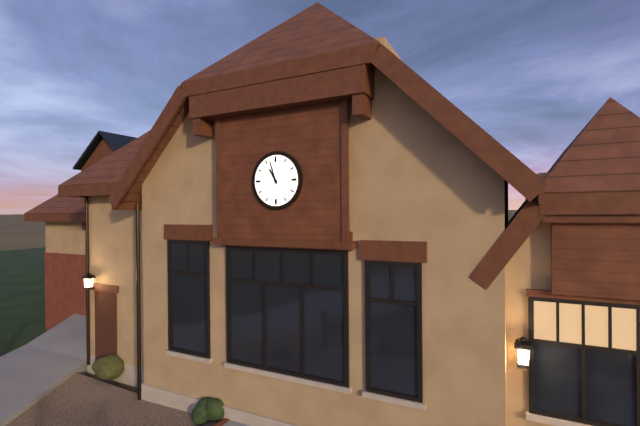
10 h 57 min
